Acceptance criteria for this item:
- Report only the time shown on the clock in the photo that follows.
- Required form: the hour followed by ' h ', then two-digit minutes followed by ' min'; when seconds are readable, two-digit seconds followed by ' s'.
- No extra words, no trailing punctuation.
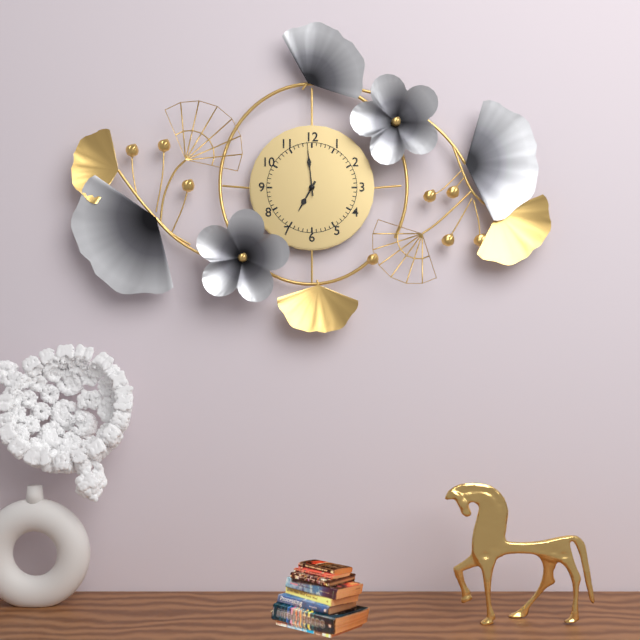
6 h 59 min
